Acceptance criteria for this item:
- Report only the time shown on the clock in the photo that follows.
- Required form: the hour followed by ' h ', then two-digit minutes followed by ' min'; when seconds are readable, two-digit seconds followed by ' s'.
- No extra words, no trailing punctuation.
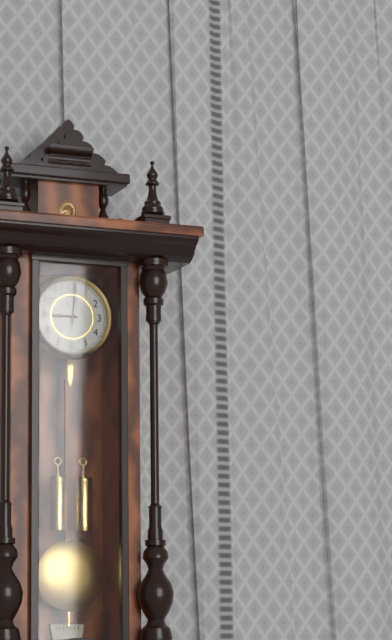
9 h 01 min
